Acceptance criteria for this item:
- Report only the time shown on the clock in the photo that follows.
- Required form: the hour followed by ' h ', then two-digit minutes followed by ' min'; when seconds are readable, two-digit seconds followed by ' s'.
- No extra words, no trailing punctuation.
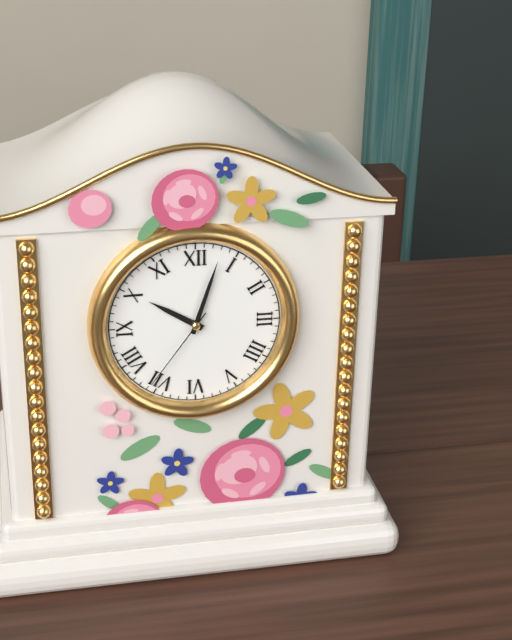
10 h 03 min 36 s
